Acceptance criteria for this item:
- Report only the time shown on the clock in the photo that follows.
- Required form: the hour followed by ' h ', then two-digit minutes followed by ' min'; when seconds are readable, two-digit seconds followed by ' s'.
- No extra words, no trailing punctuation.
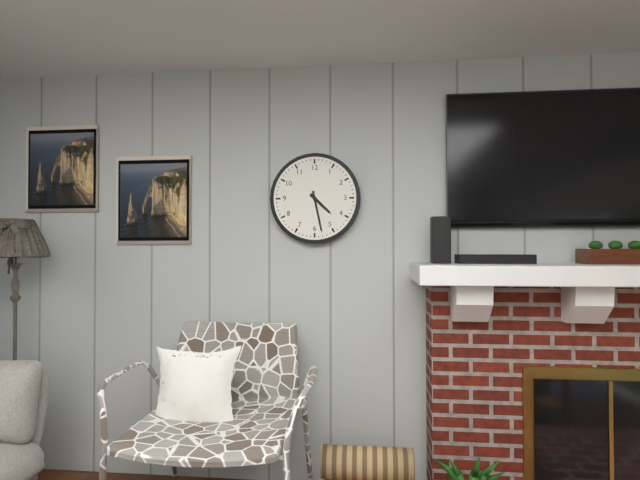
4 h 28 min
